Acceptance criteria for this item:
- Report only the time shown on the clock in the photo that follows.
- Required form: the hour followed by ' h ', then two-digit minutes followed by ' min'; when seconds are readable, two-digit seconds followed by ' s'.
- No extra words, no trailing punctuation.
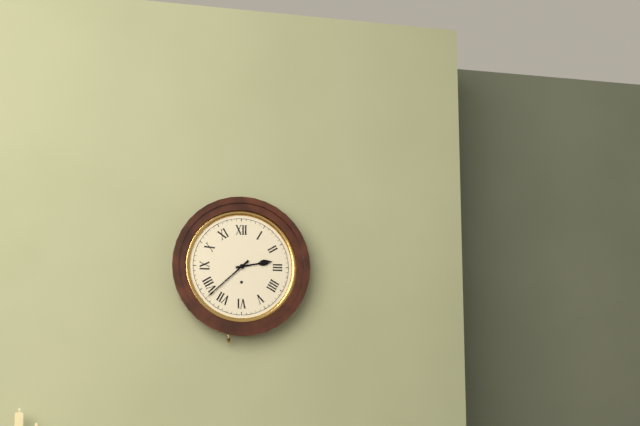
2 h 38 min
